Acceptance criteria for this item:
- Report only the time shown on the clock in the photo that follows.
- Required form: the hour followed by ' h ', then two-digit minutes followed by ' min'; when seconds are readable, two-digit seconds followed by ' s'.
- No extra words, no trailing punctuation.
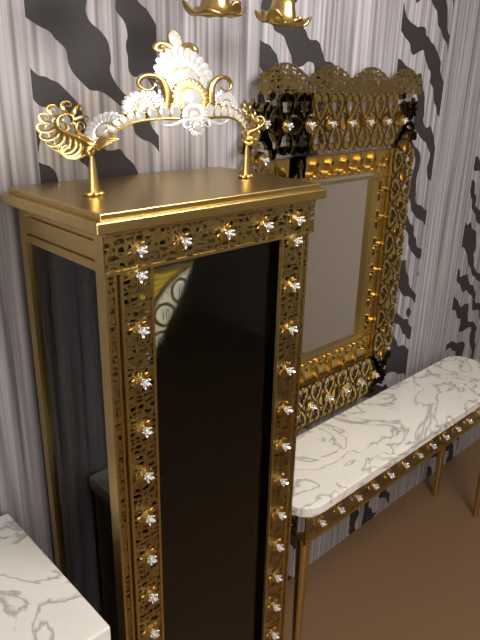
6 h 30 min 39 s
